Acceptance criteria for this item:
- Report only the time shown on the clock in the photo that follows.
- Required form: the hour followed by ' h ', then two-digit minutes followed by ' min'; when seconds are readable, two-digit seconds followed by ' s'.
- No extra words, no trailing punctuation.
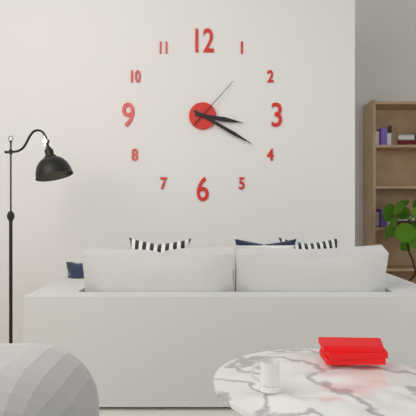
3 h 20 min 07 s
